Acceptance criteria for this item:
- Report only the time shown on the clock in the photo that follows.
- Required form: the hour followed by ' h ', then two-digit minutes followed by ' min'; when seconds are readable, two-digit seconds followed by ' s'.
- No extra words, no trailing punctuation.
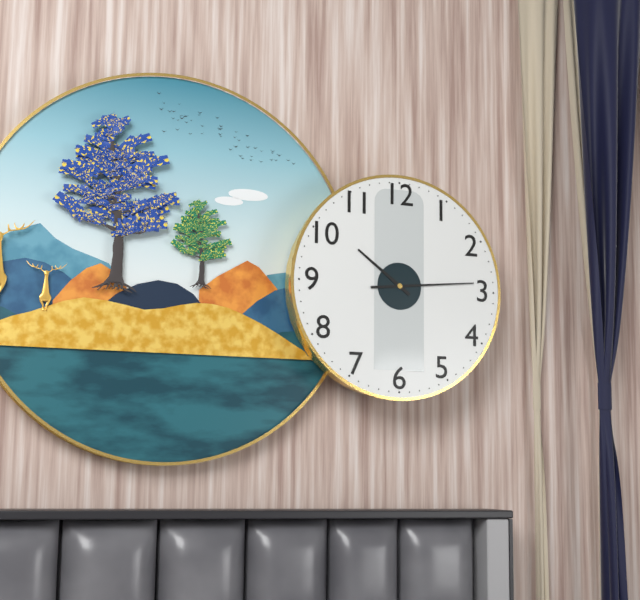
10 h 14 min
